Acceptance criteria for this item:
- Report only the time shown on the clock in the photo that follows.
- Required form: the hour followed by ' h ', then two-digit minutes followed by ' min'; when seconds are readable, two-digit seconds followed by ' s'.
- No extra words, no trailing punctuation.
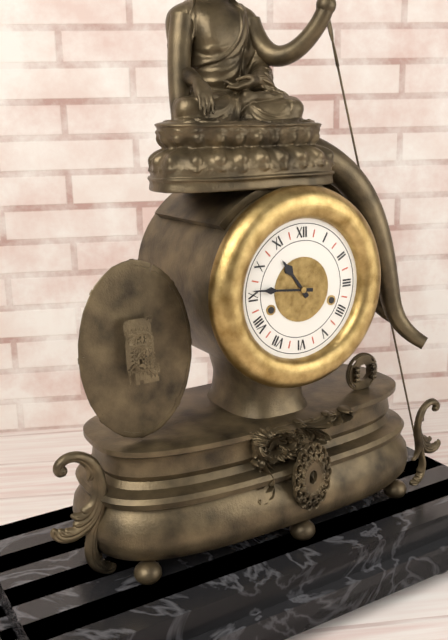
10 h 46 min
